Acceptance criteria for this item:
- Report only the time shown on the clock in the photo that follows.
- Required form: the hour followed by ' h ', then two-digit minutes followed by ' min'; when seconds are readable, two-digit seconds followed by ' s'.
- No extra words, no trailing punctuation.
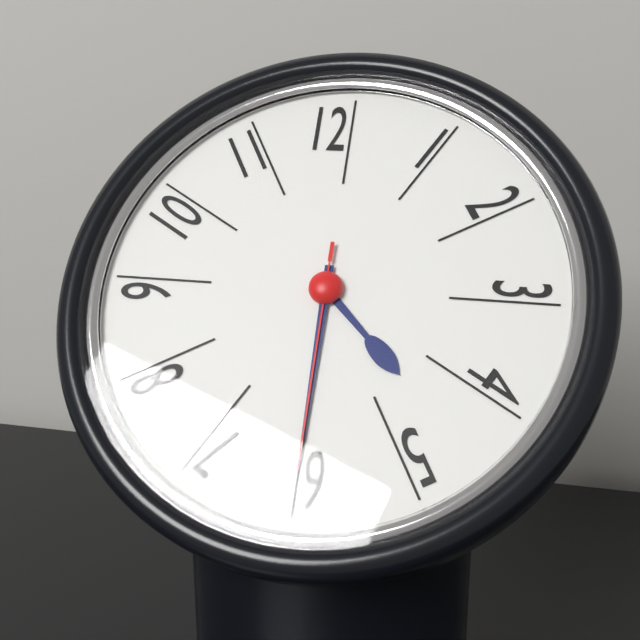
4 h 30 min 30 s
